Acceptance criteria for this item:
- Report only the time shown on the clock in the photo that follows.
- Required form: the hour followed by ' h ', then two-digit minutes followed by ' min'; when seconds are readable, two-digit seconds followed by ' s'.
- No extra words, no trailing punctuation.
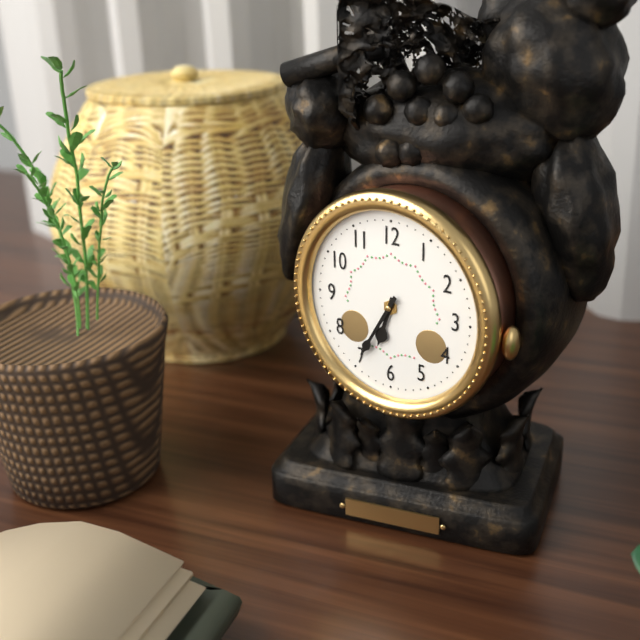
6 h 35 min
